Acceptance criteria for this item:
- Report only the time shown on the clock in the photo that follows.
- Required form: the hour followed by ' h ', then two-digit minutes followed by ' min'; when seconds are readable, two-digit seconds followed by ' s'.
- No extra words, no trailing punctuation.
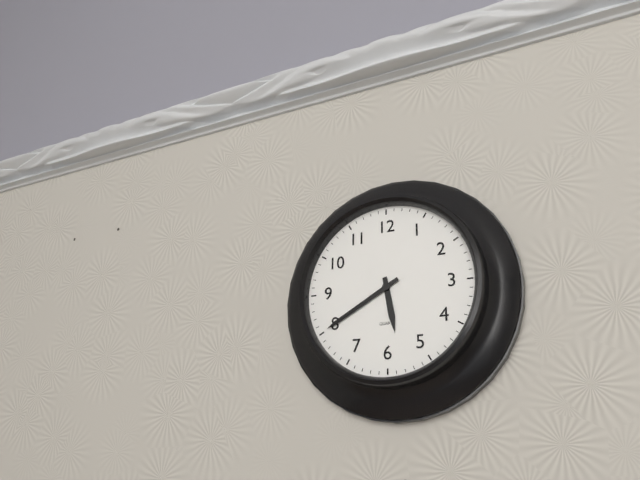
5 h 40 min
